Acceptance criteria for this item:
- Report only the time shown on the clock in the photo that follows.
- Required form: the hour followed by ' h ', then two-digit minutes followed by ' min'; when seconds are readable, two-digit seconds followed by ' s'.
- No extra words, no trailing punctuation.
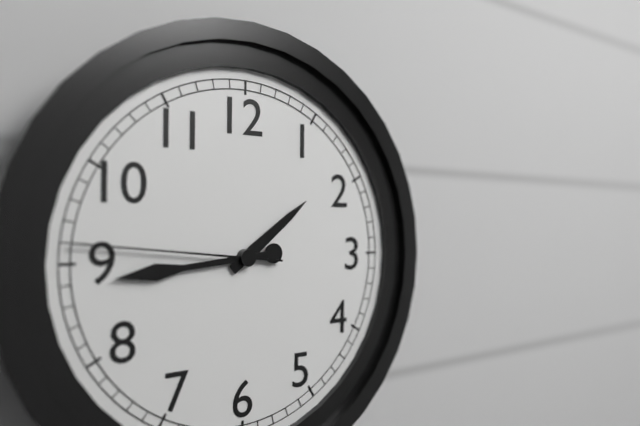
1 h 44 min 46 s
